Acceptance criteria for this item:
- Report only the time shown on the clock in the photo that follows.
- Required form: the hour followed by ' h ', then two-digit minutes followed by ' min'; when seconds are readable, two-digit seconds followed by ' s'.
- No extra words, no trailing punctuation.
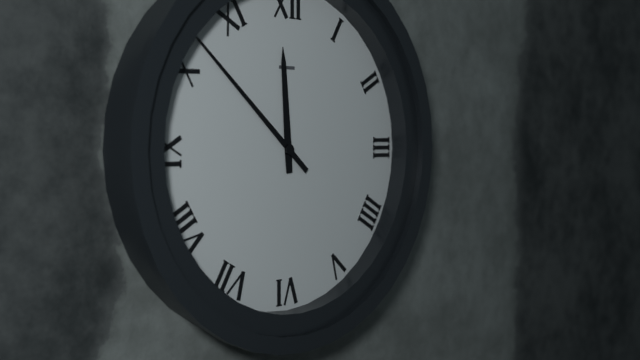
11 h 52 min
